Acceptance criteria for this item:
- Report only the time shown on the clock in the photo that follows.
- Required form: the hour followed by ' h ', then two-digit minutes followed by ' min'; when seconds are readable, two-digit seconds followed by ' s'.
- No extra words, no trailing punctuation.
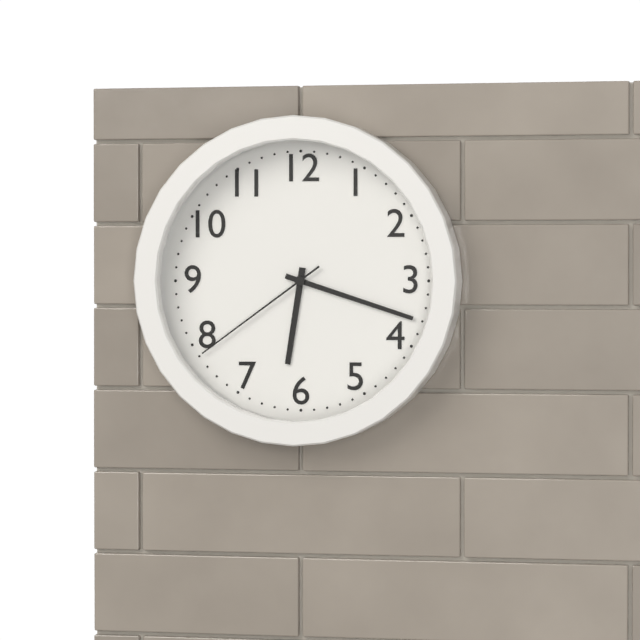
6 h 18 min 39 s
